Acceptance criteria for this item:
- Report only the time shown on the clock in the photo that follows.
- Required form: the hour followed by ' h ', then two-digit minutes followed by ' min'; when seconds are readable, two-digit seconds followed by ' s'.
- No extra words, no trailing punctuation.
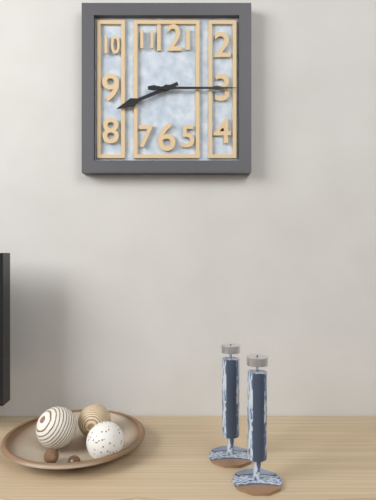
8 h 15 min
